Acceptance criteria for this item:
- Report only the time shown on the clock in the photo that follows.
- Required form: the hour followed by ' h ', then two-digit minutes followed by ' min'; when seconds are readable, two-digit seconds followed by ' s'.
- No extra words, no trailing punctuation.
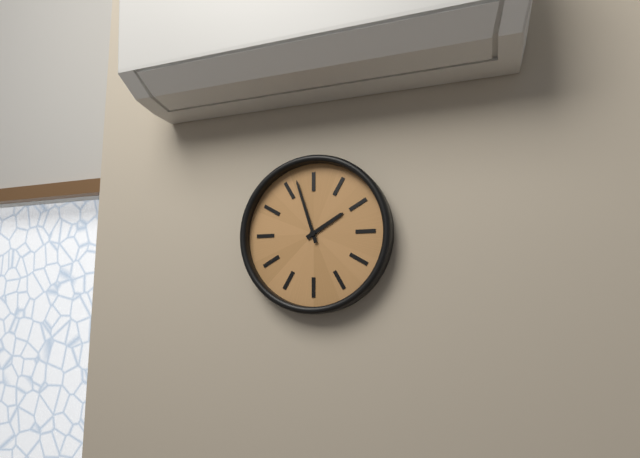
1 h 57 min
